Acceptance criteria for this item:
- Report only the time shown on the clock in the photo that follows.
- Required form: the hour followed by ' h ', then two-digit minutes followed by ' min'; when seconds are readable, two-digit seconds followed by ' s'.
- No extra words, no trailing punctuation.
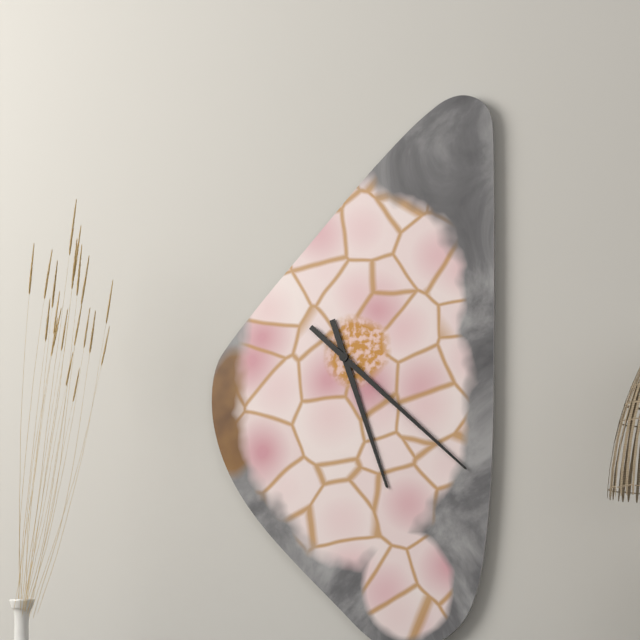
5 h 22 min
